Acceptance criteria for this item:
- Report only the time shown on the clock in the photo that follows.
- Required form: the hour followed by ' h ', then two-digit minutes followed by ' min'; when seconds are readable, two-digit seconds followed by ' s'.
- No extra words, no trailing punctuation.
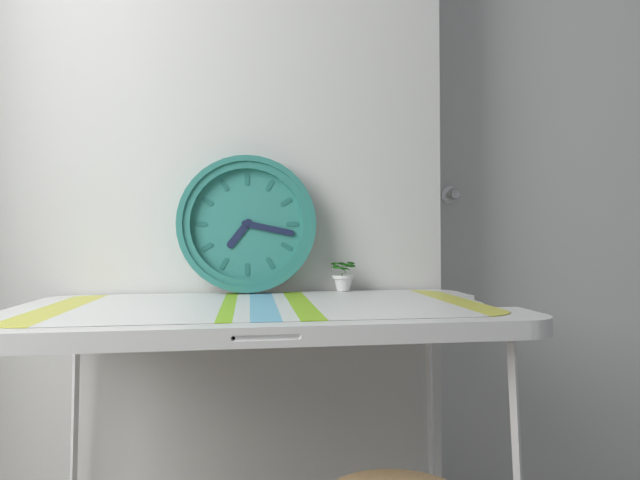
7 h 17 min
